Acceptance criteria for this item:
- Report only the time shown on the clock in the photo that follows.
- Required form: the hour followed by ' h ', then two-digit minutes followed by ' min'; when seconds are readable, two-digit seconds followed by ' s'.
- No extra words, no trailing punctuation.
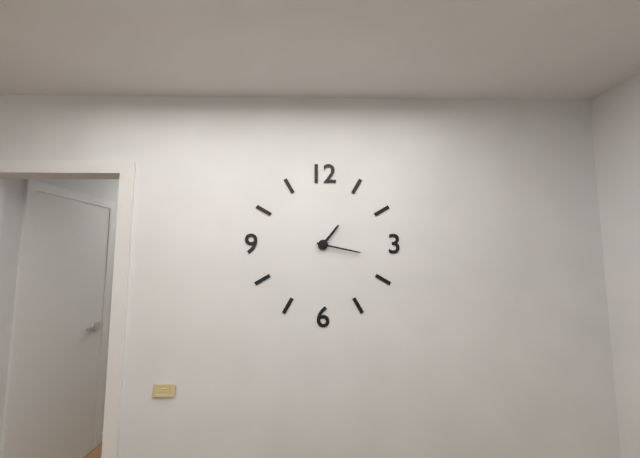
1 h 17 min
